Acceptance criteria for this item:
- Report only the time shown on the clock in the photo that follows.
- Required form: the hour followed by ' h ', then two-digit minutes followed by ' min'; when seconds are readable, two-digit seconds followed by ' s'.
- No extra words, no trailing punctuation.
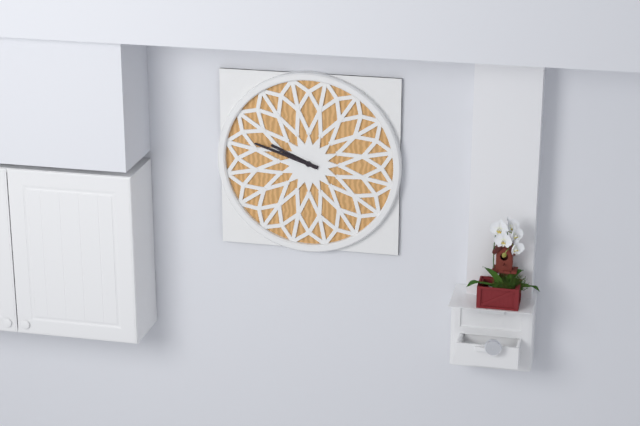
9 h 48 min
